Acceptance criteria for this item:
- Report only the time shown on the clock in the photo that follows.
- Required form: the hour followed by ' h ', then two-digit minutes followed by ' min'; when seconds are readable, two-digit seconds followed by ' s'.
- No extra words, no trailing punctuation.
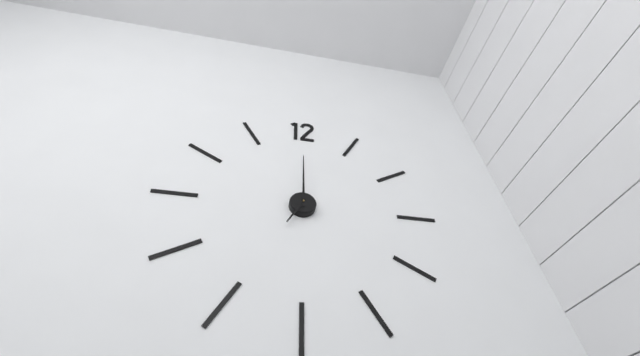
7 h 00 min
